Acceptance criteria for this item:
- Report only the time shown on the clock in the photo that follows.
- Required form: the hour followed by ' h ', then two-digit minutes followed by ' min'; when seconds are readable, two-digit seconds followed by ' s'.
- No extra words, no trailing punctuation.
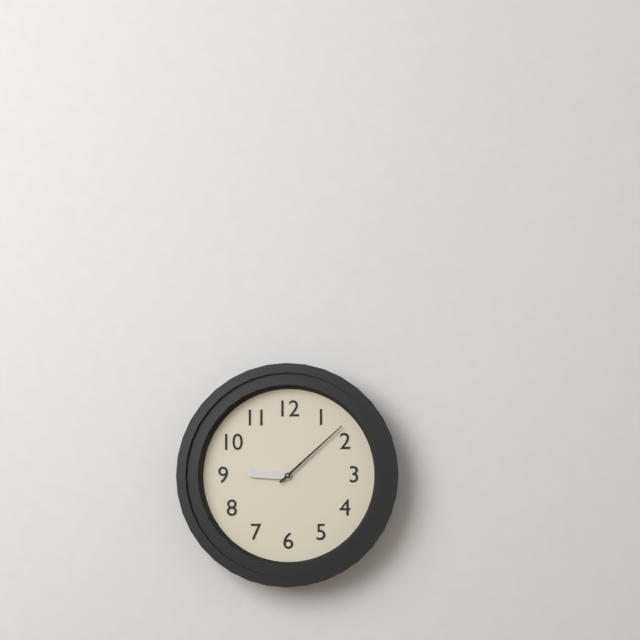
9 h 08 min
